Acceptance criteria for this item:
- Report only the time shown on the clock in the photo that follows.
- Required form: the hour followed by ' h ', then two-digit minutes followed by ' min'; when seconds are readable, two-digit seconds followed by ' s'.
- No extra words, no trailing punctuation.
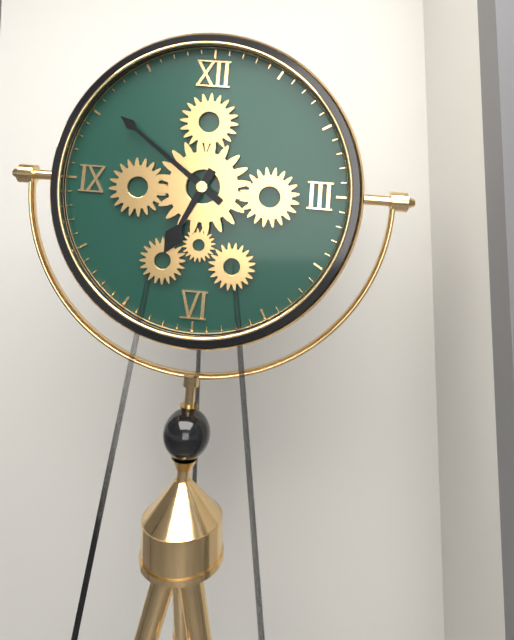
6 h 51 min
